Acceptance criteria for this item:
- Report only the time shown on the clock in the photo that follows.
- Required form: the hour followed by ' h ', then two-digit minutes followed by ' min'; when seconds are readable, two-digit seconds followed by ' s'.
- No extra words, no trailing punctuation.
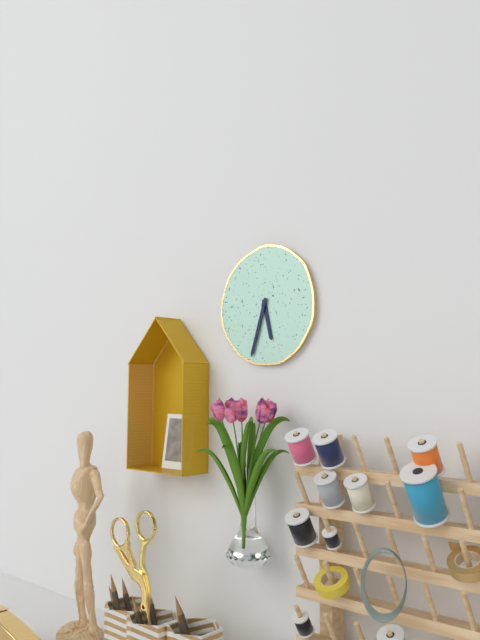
5 h 33 min
